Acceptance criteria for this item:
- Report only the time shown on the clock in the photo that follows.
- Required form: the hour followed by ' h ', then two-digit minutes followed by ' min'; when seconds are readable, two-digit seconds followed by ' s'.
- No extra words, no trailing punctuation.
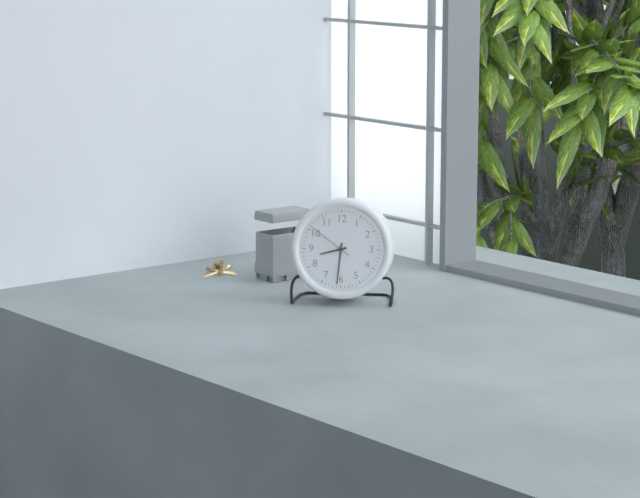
8 h 31 min
